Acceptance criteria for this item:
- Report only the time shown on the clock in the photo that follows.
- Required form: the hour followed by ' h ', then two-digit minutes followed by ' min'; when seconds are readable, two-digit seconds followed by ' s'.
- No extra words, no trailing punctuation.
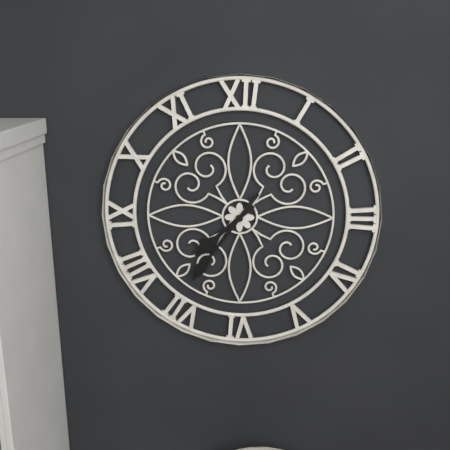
7 h 36 min
